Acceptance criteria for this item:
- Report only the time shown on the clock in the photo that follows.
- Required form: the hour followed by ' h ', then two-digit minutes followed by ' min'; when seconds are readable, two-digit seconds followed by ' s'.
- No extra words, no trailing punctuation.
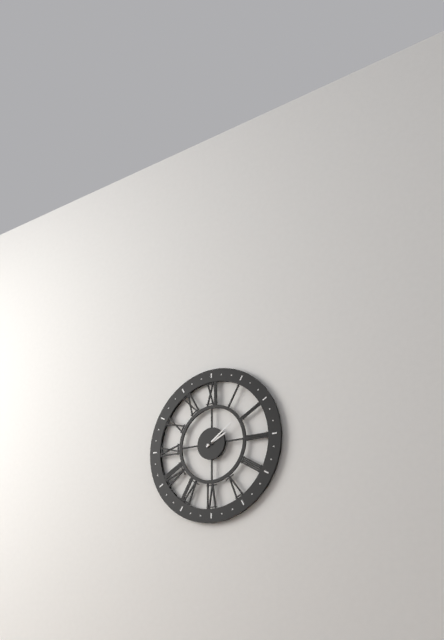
2 h 09 min
